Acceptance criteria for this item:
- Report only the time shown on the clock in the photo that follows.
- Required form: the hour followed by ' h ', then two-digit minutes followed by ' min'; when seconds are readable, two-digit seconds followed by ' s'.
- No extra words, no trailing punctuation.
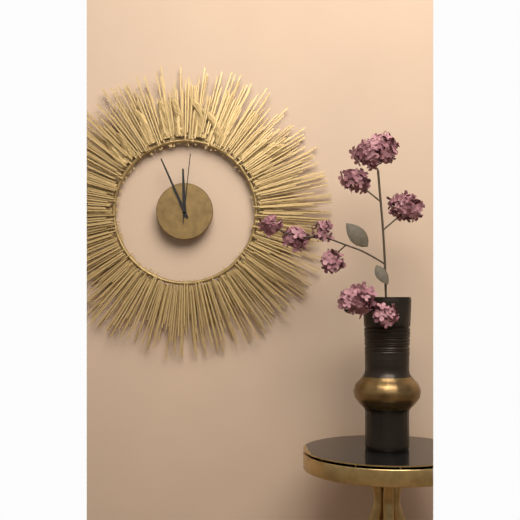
11 h 56 min 01 s
